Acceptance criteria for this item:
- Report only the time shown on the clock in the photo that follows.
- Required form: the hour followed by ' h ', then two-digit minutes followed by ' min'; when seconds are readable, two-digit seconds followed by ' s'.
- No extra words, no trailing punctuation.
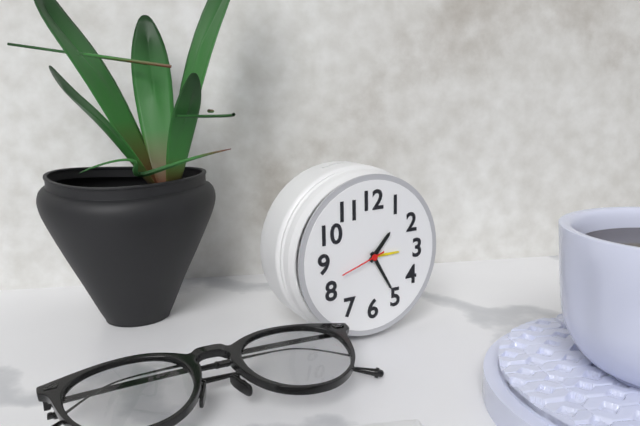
1 h 25 min
